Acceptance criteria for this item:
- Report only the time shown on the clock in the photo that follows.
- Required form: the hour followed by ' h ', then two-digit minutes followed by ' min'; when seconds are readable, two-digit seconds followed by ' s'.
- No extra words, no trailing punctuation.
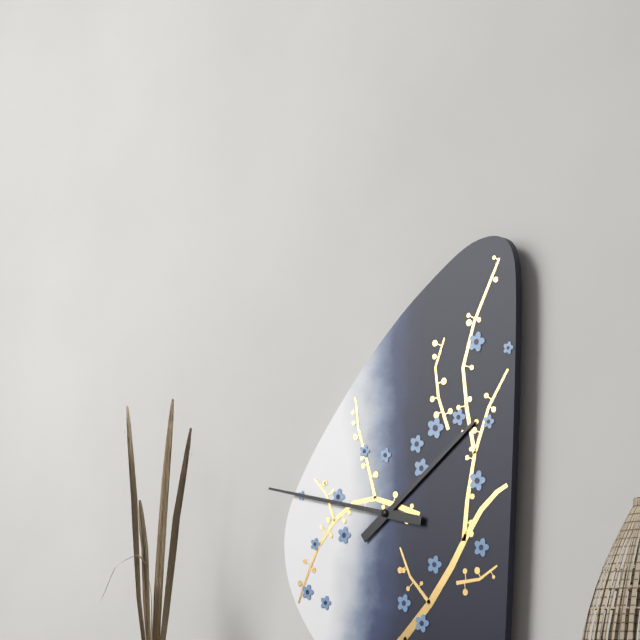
1 h 47 min
